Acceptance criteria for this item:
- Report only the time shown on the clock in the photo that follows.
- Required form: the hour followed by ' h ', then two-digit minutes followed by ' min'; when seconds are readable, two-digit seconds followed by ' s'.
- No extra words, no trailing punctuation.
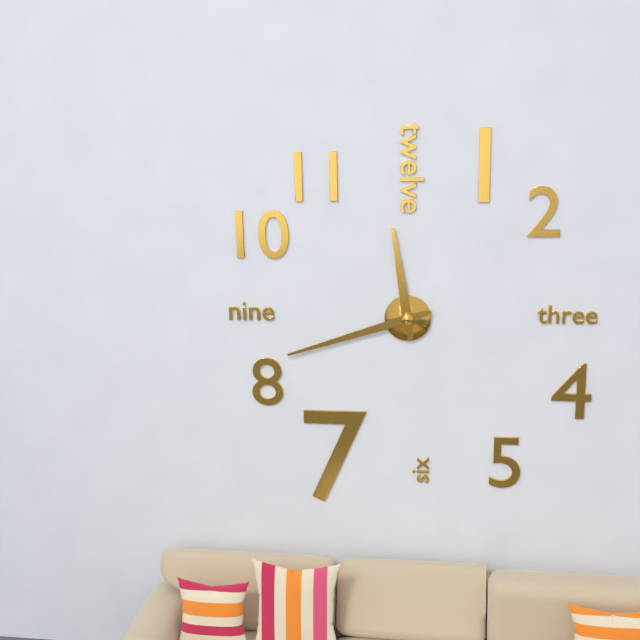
11 h 42 min
